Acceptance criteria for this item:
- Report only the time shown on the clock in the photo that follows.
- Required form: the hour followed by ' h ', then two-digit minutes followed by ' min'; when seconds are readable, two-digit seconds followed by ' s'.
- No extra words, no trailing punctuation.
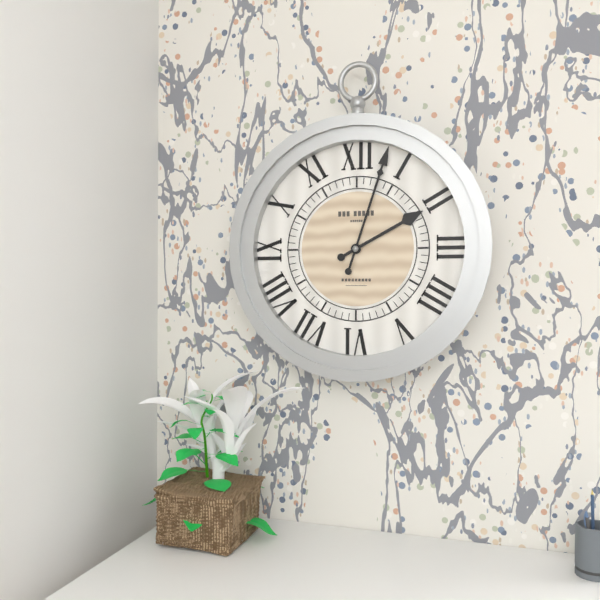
2 h 03 min
